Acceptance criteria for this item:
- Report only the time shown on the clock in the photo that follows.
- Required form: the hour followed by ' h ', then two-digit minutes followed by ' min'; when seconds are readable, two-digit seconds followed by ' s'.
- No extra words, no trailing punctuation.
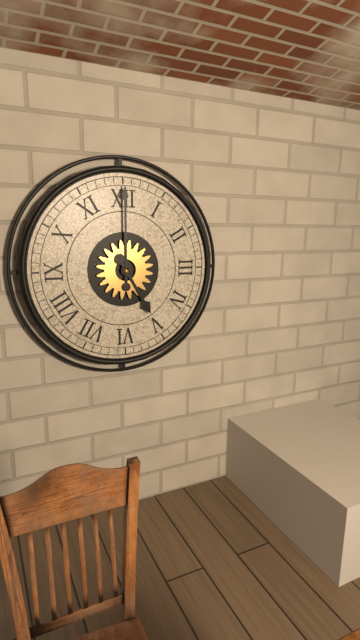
5 h 00 min
